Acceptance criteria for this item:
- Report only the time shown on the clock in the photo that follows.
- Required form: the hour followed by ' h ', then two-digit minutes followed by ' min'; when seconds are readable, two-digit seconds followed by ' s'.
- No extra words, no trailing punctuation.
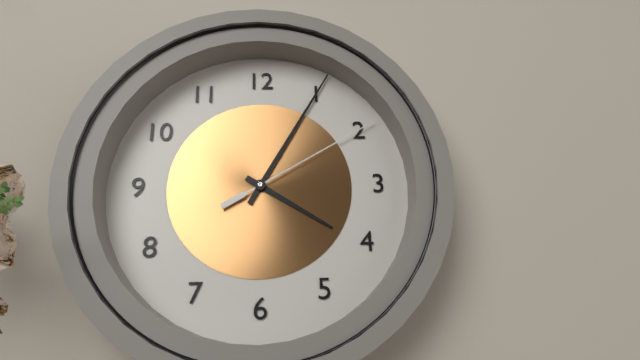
4 h 05 min 10 s
